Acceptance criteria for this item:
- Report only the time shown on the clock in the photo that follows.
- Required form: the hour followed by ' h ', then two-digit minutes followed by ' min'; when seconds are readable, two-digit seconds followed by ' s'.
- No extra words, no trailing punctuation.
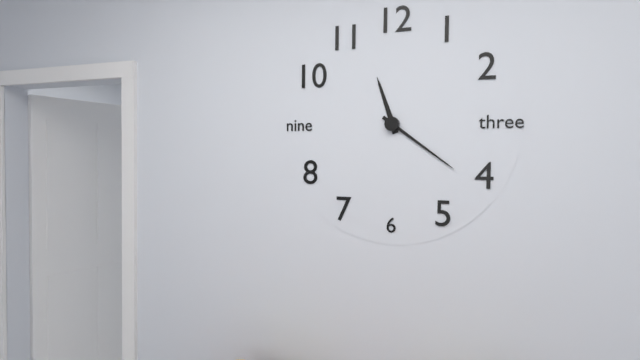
11 h 21 min
